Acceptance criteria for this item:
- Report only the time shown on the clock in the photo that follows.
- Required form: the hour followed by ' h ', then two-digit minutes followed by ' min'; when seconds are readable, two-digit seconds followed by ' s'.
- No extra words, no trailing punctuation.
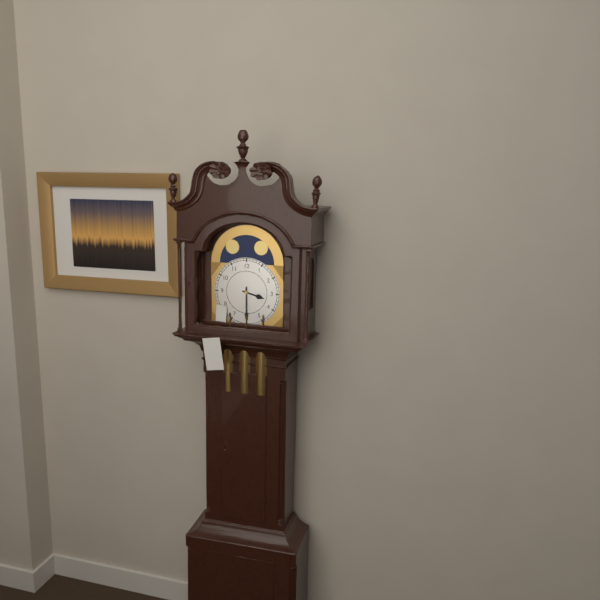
3 h 30 min
